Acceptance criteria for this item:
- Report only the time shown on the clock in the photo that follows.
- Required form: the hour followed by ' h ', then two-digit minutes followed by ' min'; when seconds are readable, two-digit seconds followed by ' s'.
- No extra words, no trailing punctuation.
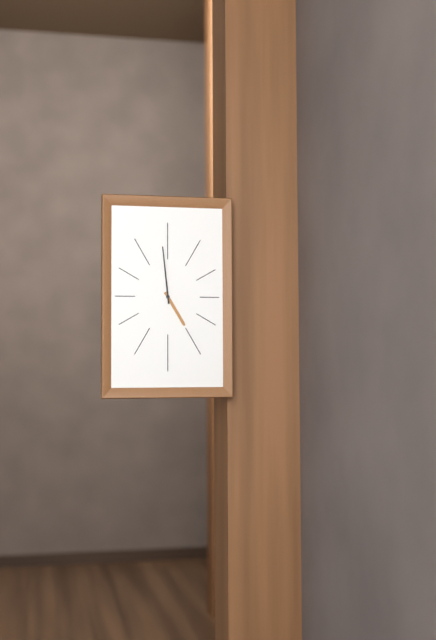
4 h 59 min
